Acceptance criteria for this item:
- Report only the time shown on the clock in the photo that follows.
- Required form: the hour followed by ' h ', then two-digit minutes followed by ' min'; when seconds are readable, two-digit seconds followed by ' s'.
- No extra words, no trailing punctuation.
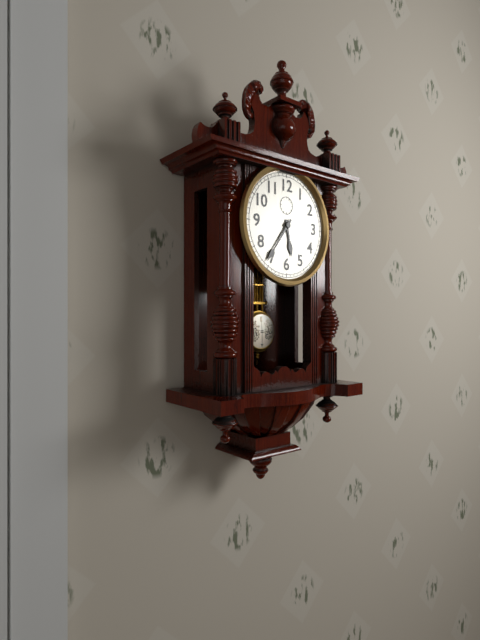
5 h 36 min
